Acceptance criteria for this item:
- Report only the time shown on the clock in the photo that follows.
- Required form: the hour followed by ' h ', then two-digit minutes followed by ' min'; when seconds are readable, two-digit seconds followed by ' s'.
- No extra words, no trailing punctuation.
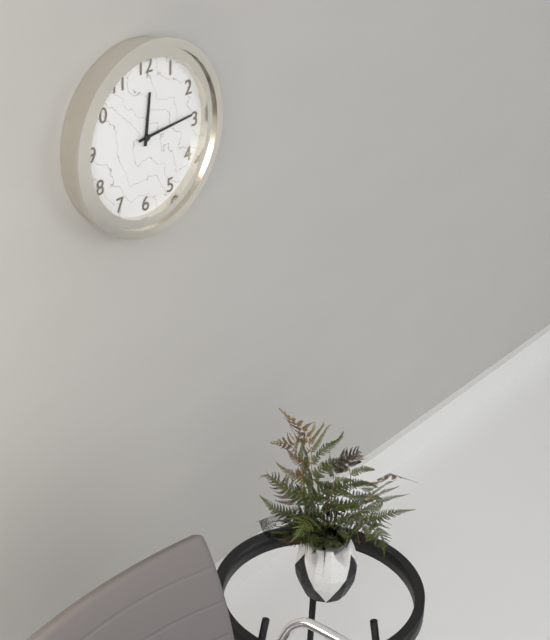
12 h 14 min
